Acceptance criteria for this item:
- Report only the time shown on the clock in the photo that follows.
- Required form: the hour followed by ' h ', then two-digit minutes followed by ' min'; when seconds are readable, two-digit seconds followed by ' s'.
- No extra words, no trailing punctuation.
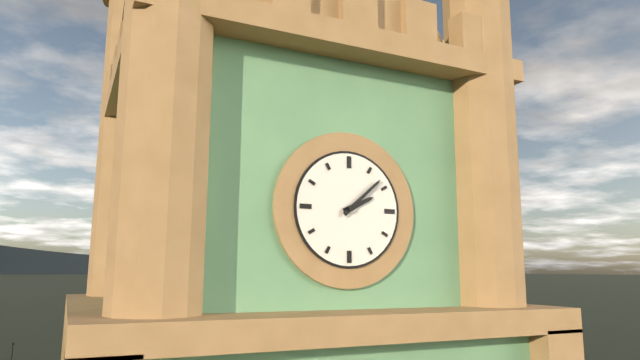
2 h 08 min
